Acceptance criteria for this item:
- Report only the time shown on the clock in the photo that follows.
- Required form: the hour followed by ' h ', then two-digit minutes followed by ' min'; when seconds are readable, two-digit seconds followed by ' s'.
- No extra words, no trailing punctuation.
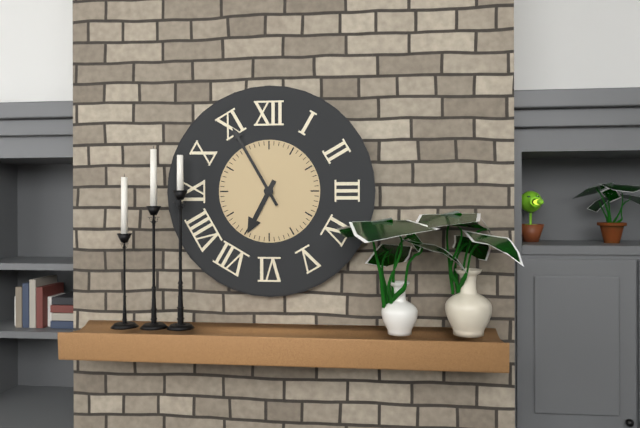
6 h 55 min
